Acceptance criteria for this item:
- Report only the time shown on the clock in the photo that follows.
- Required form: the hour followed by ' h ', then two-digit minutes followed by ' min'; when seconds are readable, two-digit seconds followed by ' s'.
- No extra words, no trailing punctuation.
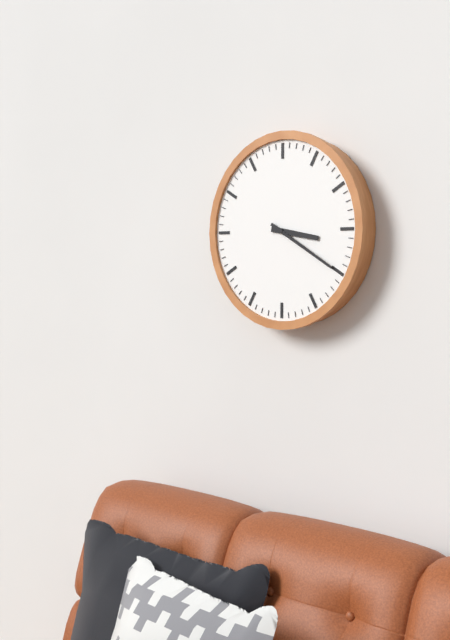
3 h 20 min
